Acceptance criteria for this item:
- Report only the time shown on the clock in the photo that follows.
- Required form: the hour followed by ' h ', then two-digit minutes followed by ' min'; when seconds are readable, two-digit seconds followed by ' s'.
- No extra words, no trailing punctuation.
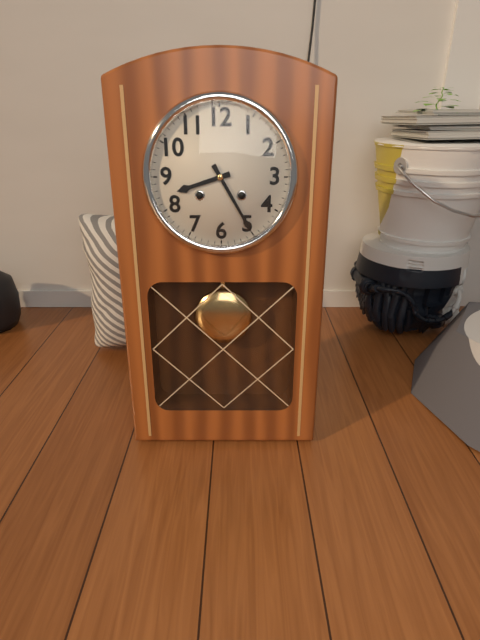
8 h 25 min
